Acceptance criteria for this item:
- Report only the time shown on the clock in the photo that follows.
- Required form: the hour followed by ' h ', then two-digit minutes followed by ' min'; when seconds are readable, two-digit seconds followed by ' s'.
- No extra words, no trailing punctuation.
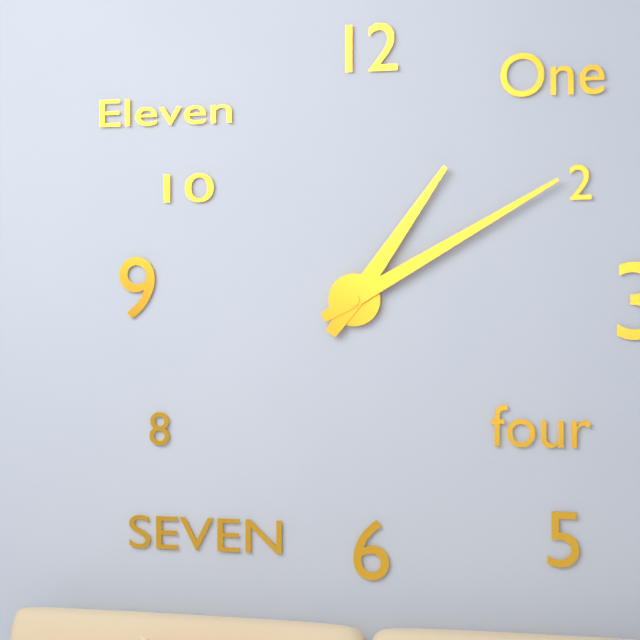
1 h 10 min
